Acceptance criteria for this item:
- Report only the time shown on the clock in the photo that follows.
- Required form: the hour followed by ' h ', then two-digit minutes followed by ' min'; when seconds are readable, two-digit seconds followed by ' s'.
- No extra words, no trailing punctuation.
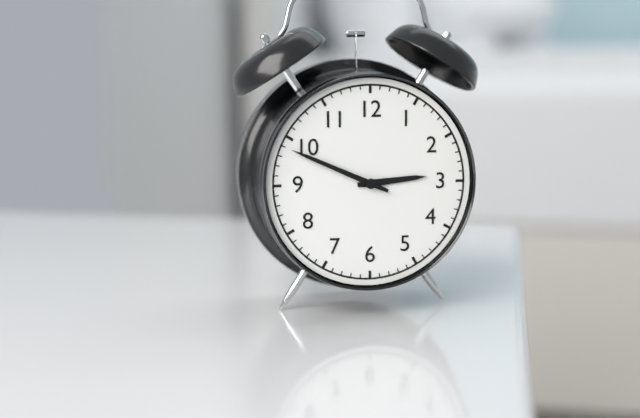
2 h 49 min
